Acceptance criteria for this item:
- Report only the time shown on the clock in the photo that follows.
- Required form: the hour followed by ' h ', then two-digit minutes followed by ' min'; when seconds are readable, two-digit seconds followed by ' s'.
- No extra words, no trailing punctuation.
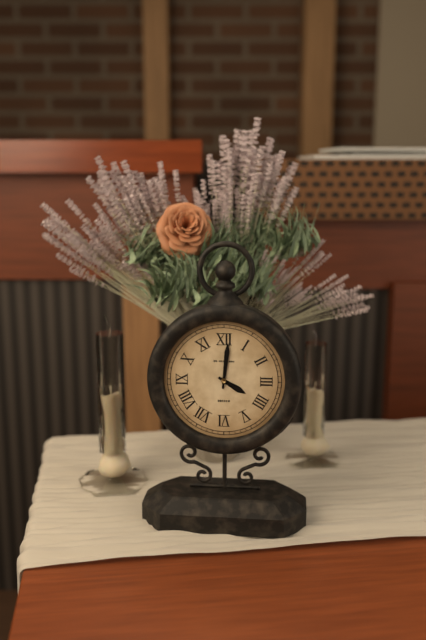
4 h 01 min
